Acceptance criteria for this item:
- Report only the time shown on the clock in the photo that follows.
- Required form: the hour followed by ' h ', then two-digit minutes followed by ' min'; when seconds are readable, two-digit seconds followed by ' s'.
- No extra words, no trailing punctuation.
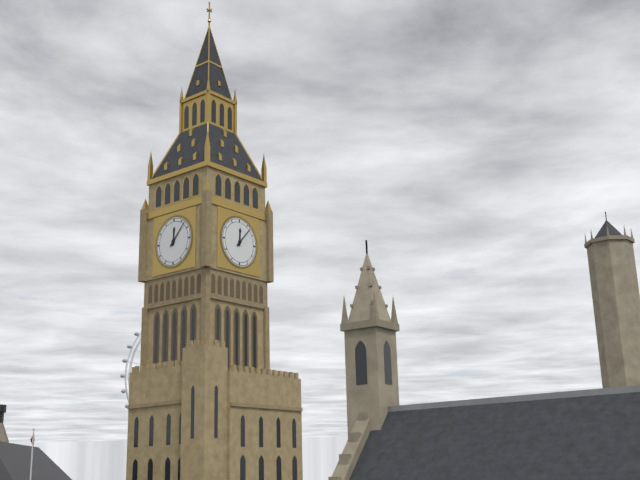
12 h 07 min
